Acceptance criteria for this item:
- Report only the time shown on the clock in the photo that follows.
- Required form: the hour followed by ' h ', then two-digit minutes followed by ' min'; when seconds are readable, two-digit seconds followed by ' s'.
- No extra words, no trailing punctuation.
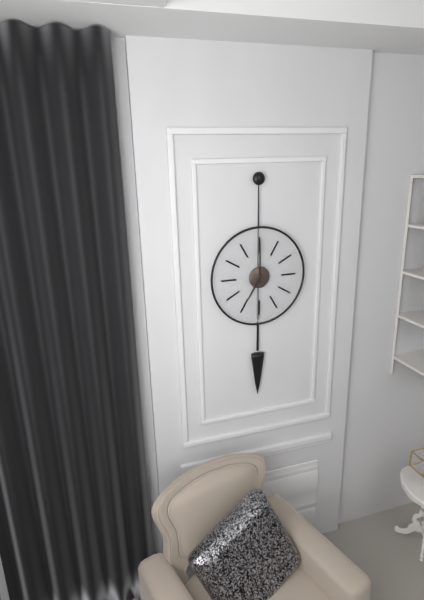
7 h 00 min
